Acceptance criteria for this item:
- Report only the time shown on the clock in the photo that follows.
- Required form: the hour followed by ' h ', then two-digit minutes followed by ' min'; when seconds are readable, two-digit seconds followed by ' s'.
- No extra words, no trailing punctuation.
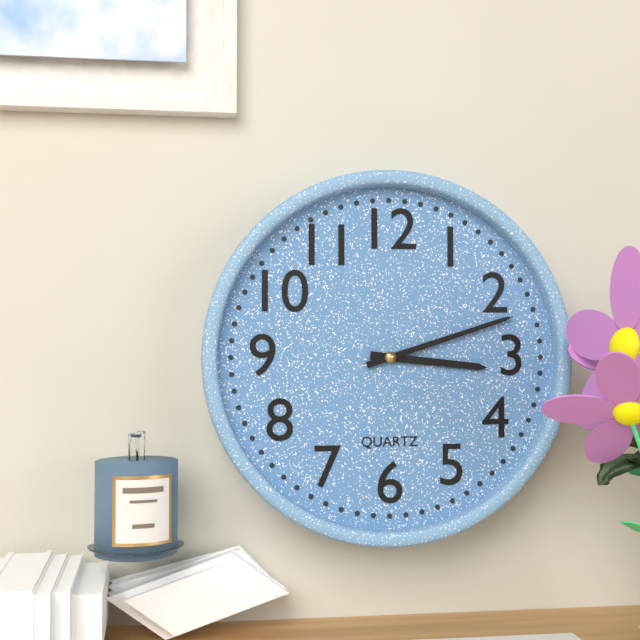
3 h 12 min
